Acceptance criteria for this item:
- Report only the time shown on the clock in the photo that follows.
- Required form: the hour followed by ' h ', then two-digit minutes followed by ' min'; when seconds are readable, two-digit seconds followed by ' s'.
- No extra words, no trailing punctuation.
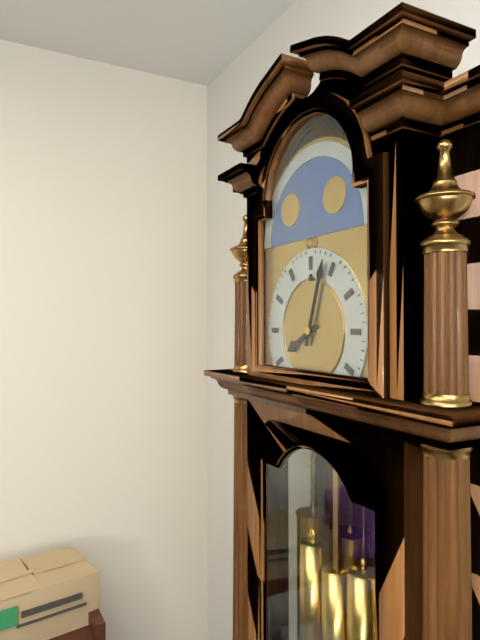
8 h 03 min
